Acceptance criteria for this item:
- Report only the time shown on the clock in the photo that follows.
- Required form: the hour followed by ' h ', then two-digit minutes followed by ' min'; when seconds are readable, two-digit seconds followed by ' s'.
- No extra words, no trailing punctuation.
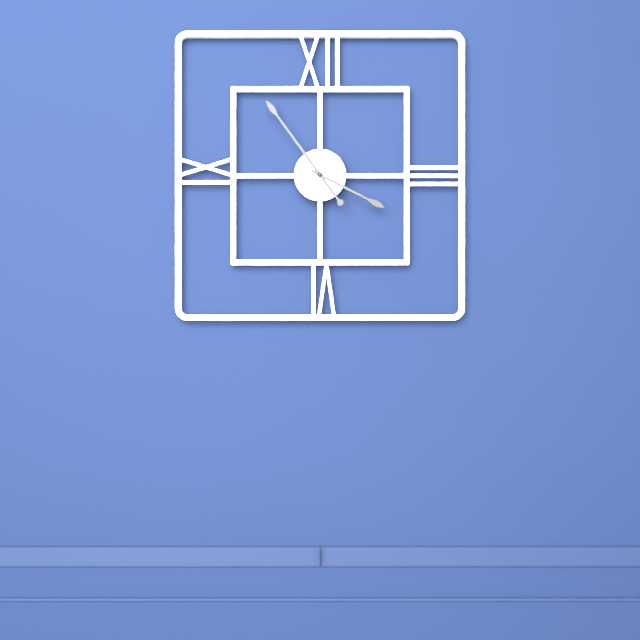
3 h 54 min
